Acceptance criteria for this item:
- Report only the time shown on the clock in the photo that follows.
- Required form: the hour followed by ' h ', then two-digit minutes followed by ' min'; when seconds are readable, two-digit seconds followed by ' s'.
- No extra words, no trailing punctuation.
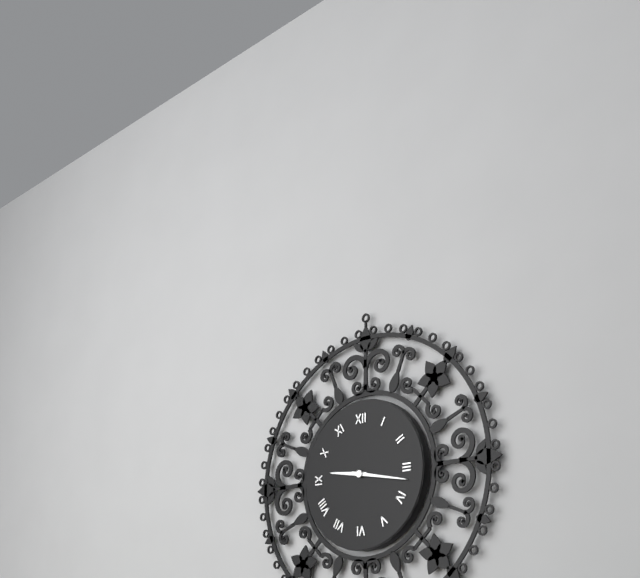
9 h 17 min
